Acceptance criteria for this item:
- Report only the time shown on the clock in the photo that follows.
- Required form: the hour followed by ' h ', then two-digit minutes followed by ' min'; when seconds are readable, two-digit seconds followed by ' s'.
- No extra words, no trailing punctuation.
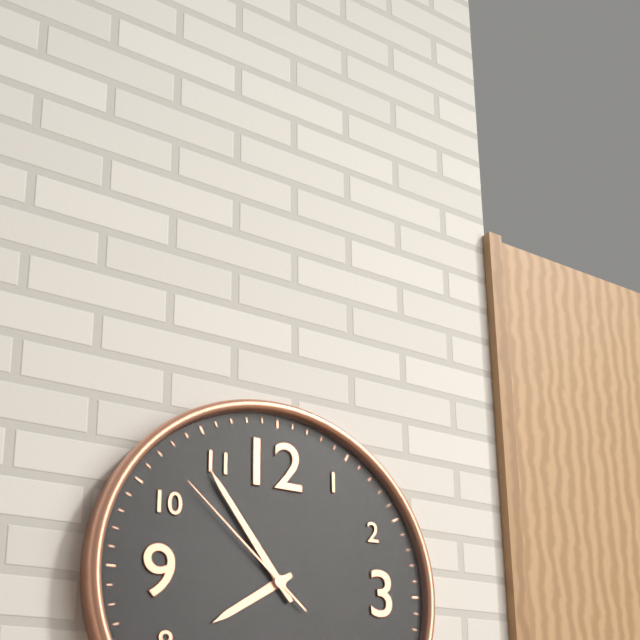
7 h 54 min 52 s
